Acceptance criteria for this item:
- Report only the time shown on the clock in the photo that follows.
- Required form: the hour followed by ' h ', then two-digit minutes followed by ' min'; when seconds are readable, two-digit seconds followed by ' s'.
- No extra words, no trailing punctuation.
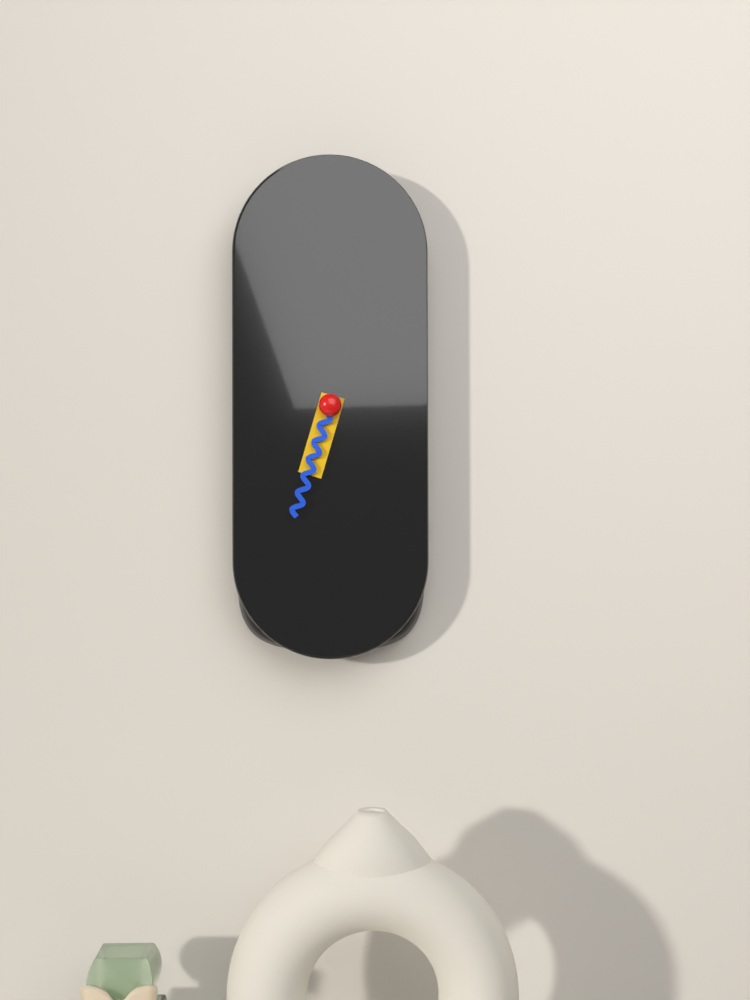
6 h 33 min
